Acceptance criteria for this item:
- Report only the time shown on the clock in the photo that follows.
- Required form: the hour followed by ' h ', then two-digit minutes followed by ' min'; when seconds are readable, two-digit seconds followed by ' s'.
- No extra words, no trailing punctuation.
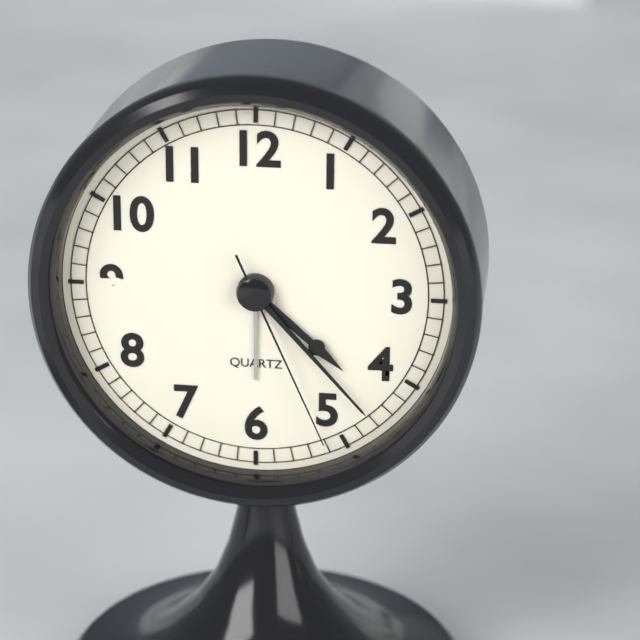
4 h 23 min 26 s
